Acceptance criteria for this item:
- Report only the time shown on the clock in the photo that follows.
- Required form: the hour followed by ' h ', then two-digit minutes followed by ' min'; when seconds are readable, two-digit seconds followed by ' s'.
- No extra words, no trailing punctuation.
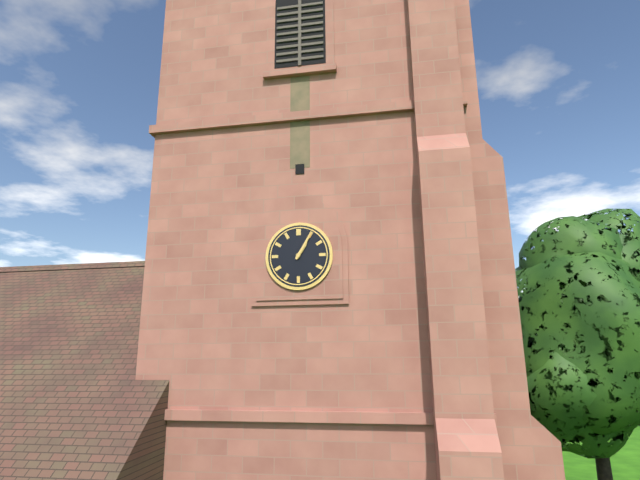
1 h 05 min
